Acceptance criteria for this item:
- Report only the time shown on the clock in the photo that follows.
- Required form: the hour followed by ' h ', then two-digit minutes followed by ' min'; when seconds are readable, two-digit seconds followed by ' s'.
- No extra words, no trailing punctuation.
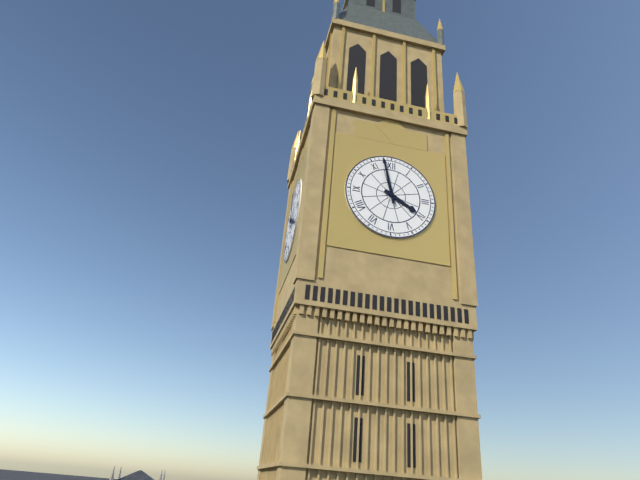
3 h 58 min
